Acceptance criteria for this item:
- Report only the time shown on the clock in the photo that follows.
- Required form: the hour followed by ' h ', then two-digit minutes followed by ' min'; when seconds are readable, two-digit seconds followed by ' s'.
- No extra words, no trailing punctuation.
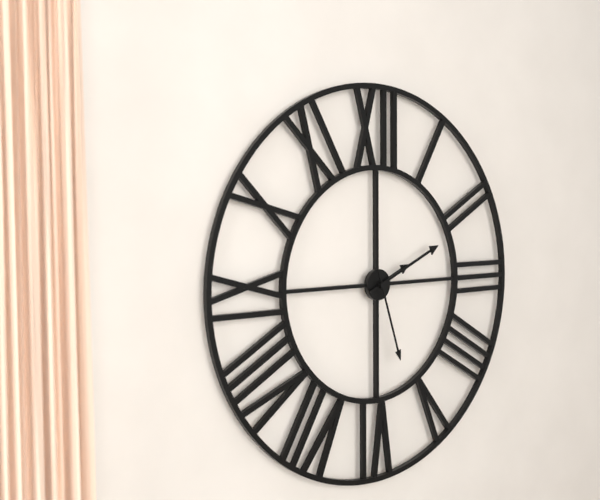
2 h 11 min 27 s
